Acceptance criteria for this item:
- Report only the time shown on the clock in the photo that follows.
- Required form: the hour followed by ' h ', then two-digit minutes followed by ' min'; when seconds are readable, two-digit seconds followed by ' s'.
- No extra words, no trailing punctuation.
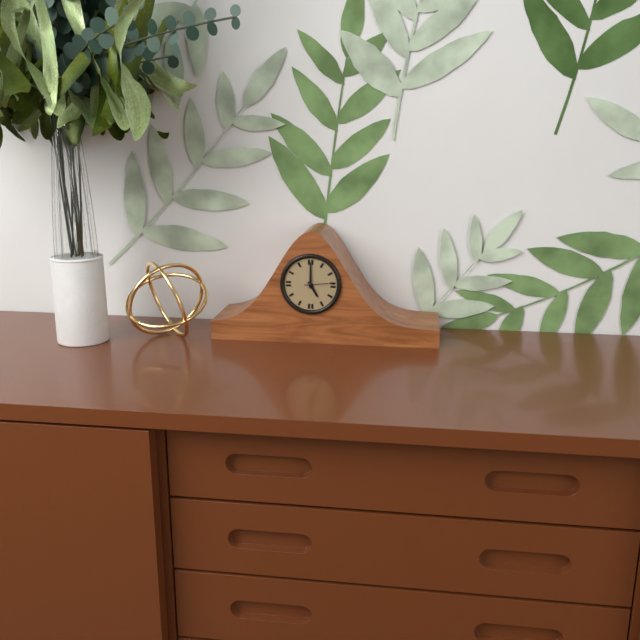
5 h 00 min
